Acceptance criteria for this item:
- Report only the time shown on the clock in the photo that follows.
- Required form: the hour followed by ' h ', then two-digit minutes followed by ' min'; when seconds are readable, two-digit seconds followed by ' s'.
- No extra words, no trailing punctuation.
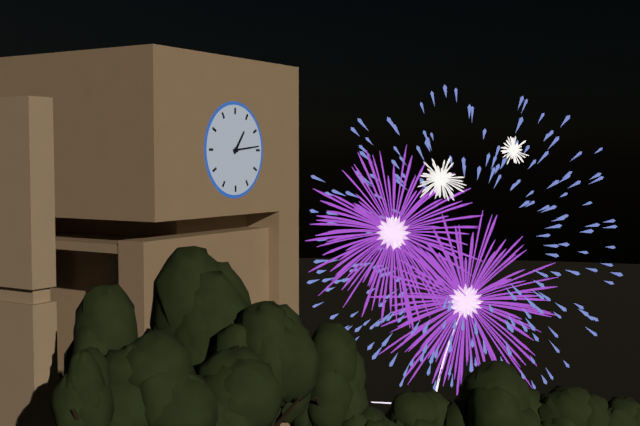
1 h 14 min
